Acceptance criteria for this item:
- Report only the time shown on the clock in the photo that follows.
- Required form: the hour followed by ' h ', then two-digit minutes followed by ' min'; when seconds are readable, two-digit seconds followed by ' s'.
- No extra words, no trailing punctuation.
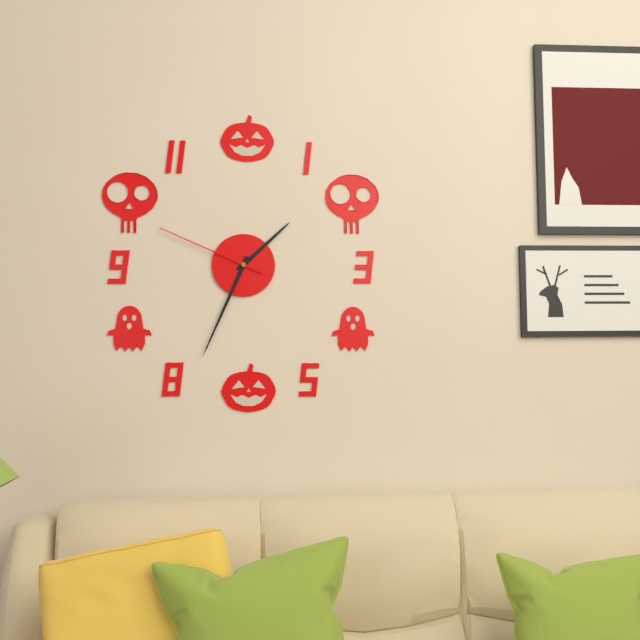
1 h 34 min 49 s
